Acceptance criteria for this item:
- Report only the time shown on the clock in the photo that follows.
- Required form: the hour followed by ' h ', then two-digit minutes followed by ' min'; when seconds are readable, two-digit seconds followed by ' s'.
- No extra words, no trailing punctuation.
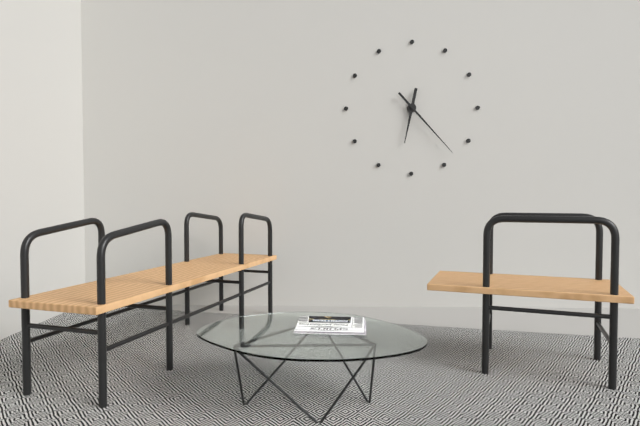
6 h 23 min
